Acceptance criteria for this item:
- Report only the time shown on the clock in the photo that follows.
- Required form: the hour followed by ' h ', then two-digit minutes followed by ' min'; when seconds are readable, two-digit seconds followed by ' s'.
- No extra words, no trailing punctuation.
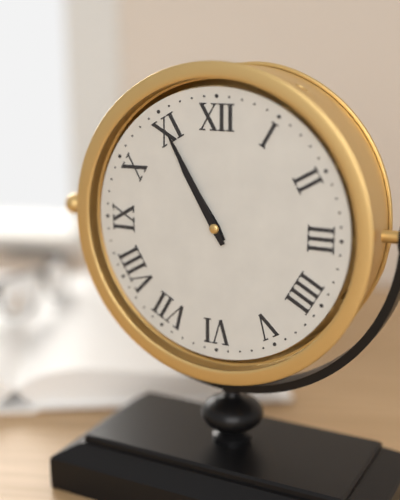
10 h 55 min
